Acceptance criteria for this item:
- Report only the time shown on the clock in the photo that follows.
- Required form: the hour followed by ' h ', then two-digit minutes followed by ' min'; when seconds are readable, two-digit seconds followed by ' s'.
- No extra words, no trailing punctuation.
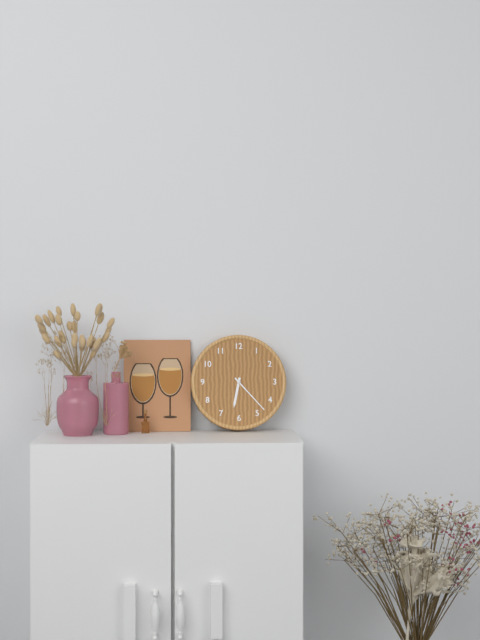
6 h 23 min
